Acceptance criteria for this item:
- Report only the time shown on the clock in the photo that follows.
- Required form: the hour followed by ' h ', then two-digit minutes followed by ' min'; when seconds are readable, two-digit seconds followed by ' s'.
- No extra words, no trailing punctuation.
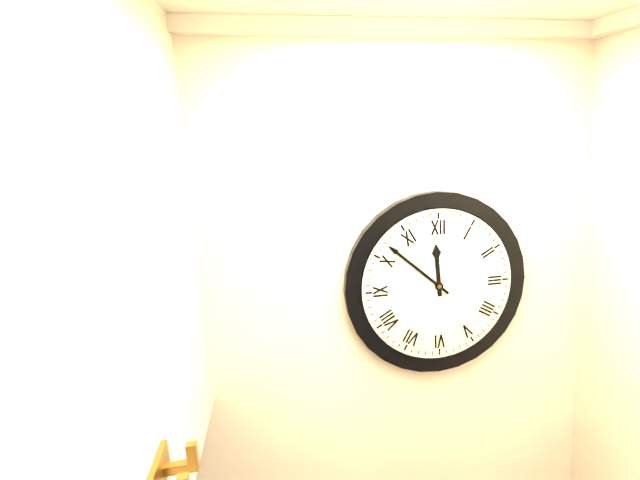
11 h 52 min
